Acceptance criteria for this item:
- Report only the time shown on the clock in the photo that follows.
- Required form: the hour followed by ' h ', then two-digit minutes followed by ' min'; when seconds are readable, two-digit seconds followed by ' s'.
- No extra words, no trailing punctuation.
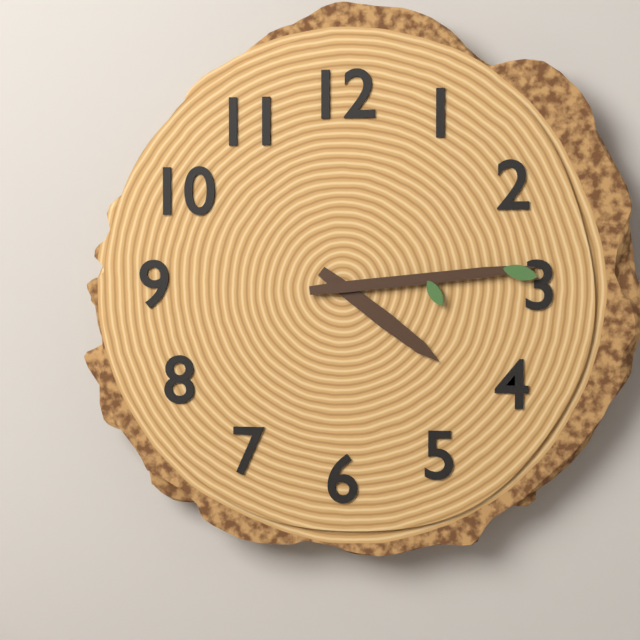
4 h 14 min
